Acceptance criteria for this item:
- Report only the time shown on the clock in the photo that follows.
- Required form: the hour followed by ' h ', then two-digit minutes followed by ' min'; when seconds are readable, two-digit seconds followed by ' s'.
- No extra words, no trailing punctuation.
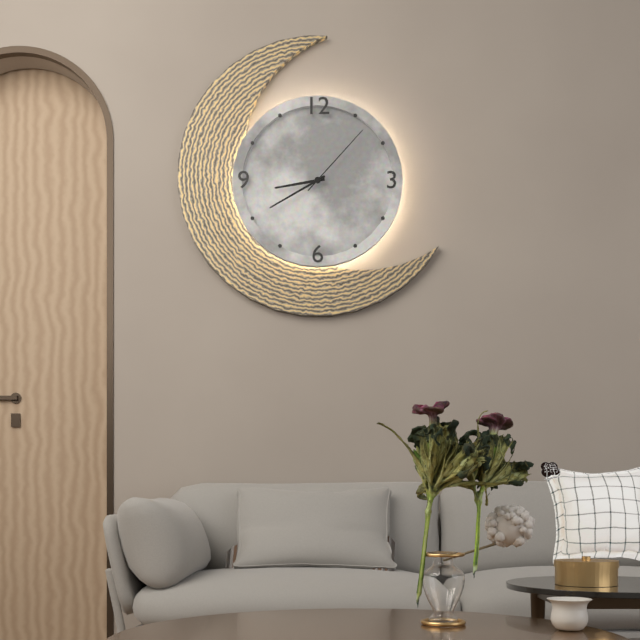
8 h 40 min 07 s
